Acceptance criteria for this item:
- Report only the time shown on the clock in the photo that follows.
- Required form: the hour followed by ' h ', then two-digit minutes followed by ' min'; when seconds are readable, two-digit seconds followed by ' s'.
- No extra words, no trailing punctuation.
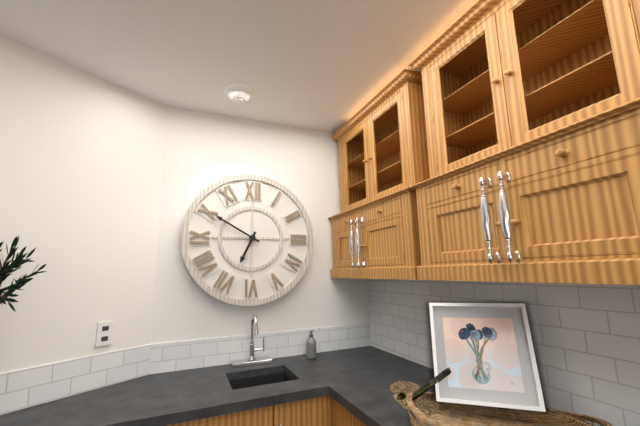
6 h 50 min
